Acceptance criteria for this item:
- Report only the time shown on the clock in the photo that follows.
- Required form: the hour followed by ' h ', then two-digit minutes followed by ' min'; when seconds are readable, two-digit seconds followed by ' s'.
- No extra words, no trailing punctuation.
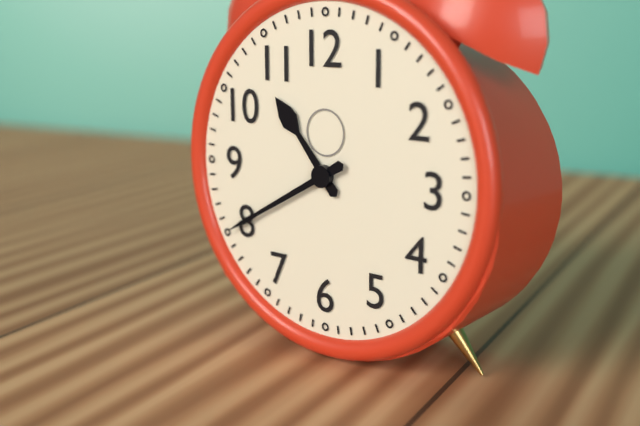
10 h 40 min
